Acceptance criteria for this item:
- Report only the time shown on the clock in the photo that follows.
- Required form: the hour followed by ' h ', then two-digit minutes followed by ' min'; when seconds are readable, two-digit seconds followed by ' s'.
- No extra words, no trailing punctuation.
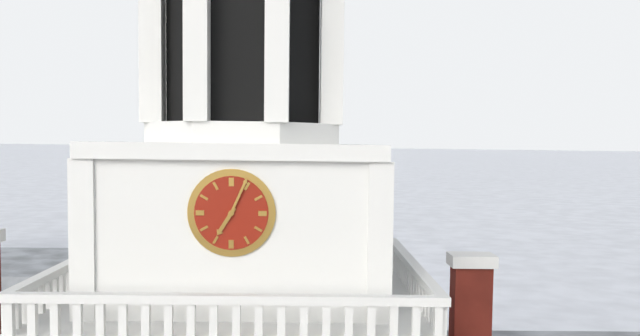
7 h 04 min
